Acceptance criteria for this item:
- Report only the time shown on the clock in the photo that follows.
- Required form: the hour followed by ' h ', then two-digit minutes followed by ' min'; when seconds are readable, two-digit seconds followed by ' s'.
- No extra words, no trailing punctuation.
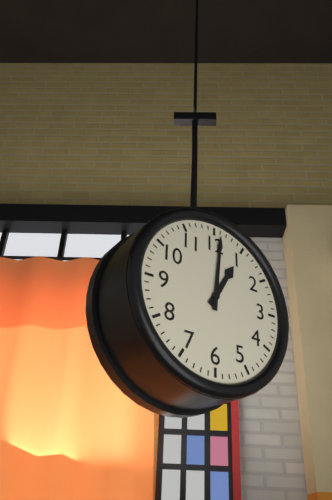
1 h 01 min
